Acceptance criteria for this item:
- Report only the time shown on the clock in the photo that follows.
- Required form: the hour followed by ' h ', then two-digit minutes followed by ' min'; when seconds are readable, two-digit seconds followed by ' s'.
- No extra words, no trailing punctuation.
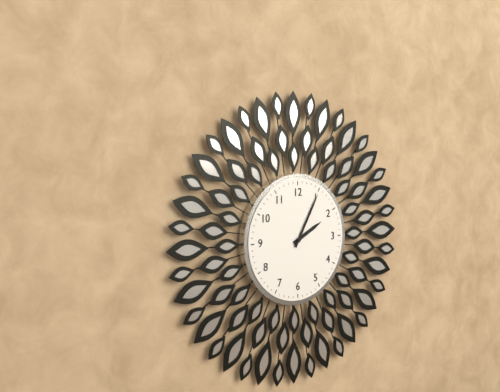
2 h 05 min
